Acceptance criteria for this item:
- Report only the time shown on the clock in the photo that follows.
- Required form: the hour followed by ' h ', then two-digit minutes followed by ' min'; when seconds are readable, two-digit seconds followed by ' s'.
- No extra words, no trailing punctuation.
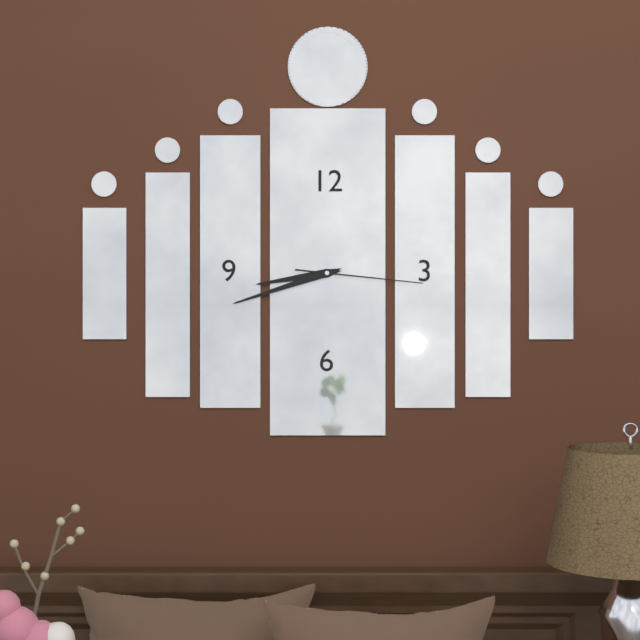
8 h 42 min 16 s
